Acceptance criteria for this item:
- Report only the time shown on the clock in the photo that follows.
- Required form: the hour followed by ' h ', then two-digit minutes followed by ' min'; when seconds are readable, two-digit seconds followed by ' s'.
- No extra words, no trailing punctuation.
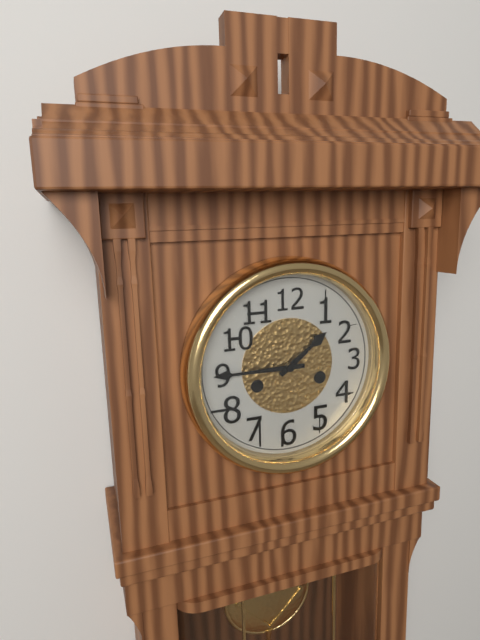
1 h 45 min
